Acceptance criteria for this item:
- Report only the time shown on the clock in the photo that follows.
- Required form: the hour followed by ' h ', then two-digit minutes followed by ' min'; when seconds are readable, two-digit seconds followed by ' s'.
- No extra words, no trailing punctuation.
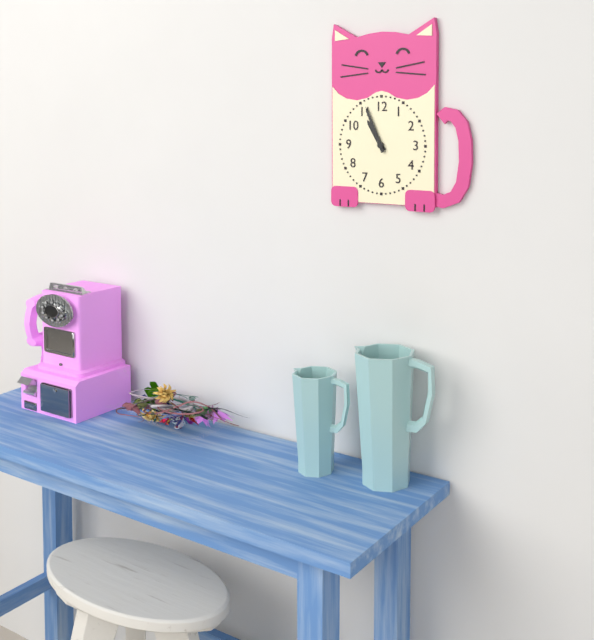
10 h 56 min
